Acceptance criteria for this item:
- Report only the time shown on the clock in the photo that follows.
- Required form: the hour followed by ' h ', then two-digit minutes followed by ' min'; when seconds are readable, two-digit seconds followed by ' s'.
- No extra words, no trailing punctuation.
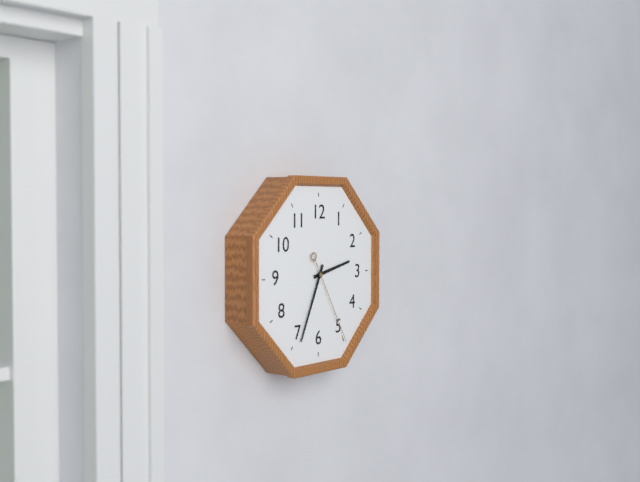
2 h 34 min 25 s
